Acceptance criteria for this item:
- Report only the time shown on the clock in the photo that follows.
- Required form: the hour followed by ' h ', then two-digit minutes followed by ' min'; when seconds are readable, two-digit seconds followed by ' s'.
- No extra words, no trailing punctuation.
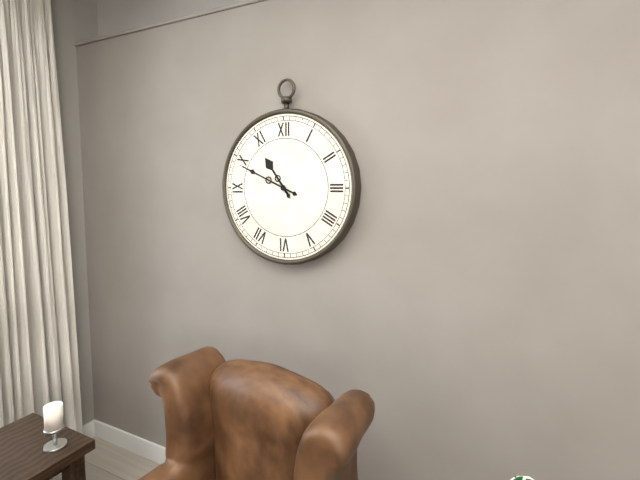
10 h 49 min
